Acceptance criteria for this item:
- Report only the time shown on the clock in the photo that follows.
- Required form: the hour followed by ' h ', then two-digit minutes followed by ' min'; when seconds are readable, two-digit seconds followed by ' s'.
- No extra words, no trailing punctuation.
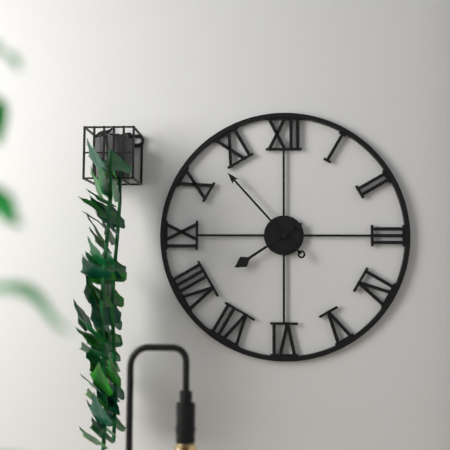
7 h 53 min
